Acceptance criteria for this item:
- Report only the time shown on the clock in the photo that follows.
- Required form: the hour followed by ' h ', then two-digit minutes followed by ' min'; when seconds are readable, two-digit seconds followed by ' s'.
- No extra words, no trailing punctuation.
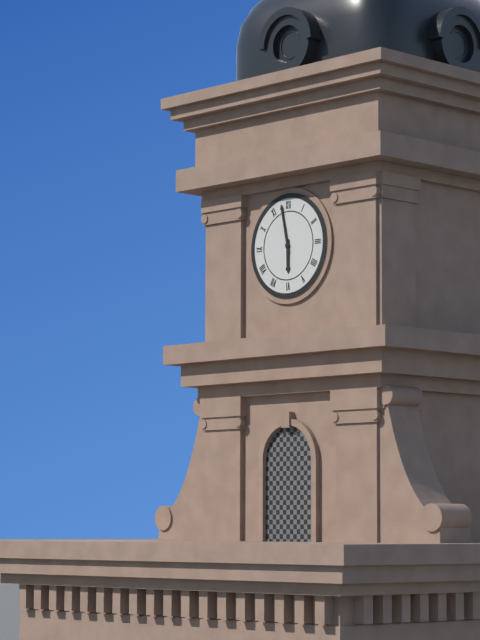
5 h 58 min
